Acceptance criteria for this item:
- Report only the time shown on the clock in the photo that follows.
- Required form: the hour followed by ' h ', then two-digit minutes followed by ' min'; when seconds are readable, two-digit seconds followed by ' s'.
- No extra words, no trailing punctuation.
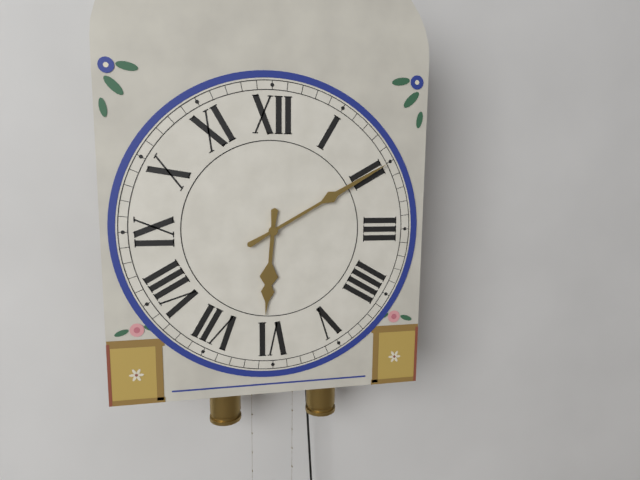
6 h 10 min
